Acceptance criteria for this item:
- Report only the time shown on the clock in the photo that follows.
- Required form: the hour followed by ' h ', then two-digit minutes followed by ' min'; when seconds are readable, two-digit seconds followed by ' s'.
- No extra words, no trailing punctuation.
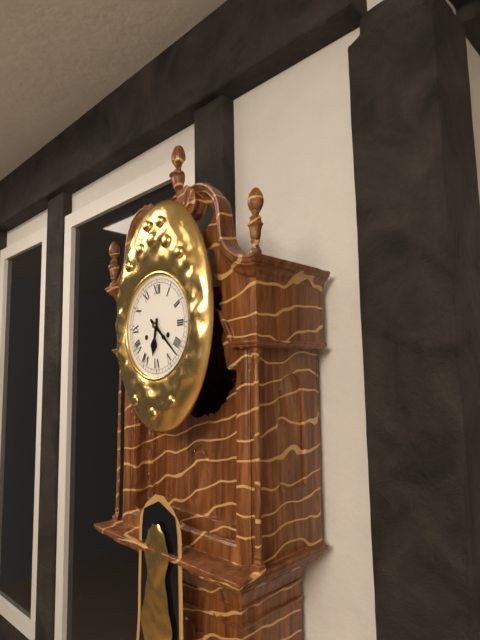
6 h 22 min
